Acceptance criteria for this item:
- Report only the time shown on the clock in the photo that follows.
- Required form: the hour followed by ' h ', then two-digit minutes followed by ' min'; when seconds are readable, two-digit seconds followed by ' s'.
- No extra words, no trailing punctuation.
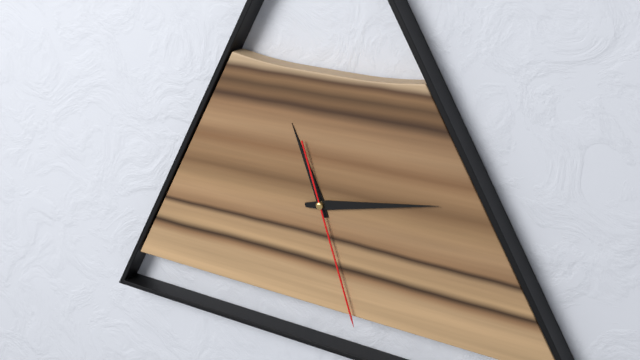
11 h 13 min 27 s
